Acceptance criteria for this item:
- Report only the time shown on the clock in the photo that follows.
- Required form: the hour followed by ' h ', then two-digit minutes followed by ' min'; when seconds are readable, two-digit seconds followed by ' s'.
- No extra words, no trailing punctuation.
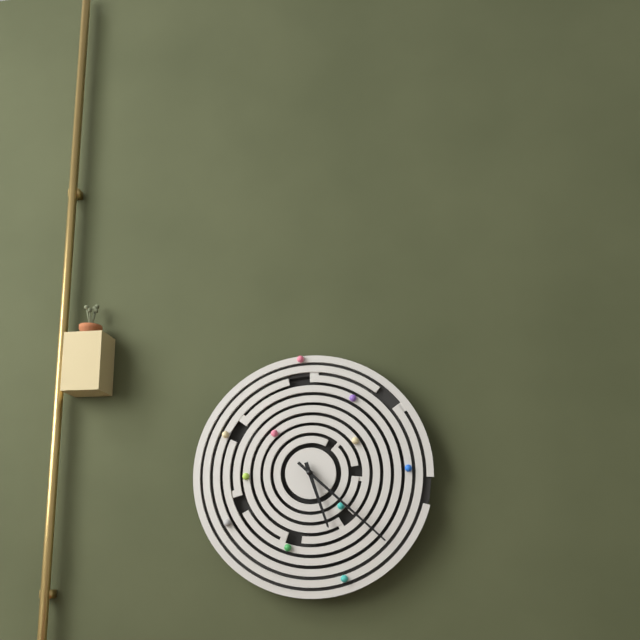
5 h 22 min
